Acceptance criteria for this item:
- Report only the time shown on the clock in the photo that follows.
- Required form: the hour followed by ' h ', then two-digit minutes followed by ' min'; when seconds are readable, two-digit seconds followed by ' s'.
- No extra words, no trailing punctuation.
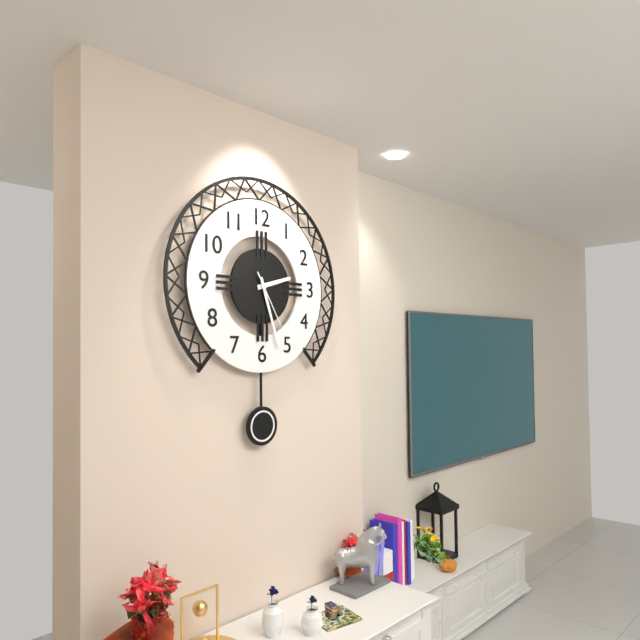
2 h 27 min 25 s
